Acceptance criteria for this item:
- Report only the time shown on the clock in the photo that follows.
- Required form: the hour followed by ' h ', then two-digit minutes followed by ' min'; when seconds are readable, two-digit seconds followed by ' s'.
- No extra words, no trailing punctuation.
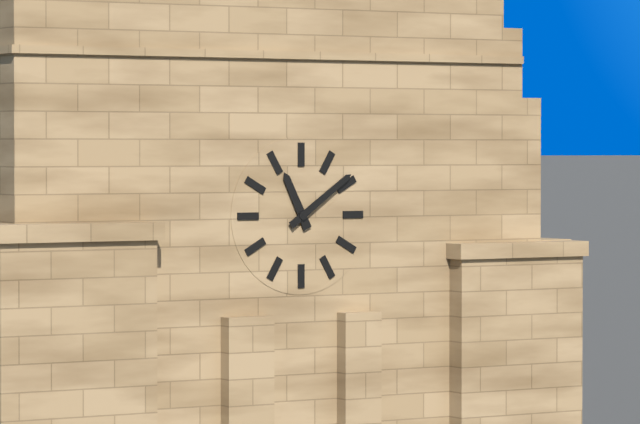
11 h 09 min
